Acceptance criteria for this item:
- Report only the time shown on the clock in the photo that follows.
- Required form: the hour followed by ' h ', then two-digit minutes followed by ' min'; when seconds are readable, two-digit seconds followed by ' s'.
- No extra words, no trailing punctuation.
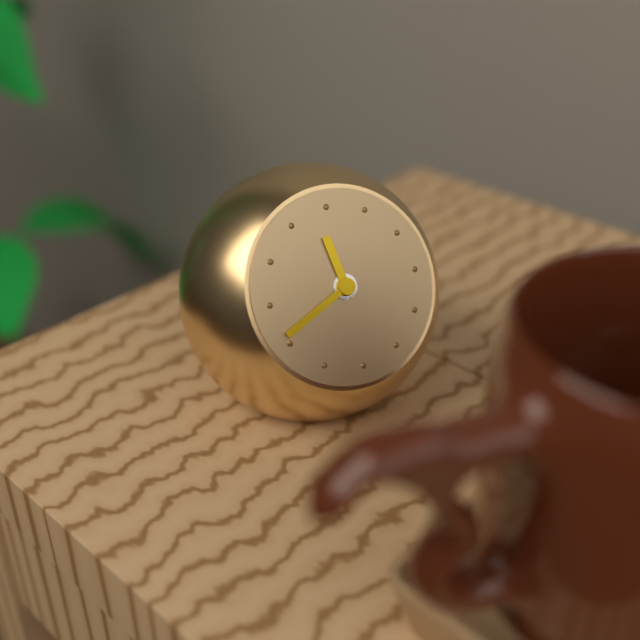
11 h 41 min
